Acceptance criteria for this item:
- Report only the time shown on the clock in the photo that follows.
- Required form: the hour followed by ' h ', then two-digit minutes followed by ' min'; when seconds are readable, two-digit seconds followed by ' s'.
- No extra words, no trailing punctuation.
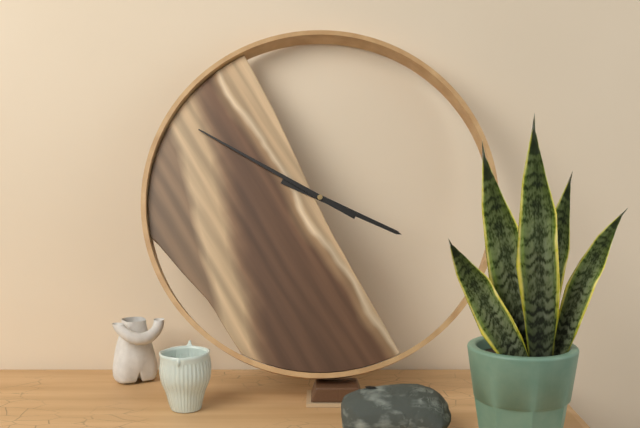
3 h 50 min
